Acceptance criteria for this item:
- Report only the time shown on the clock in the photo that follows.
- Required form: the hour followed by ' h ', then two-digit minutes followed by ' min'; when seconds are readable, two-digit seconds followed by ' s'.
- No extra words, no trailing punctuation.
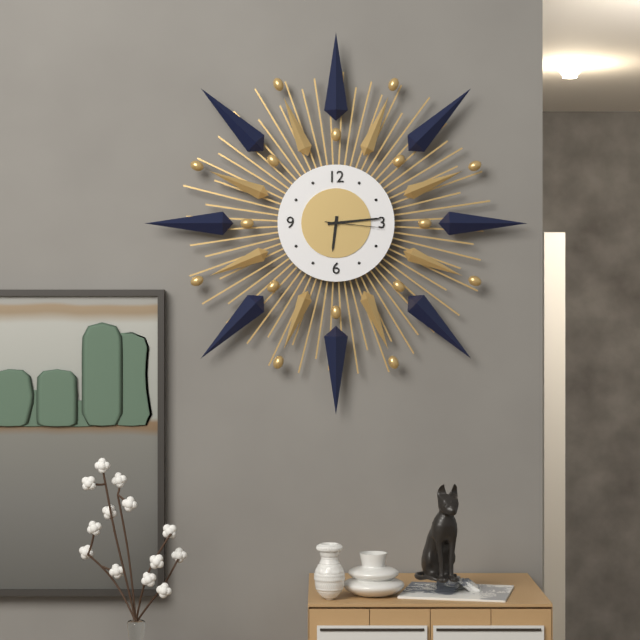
6 h 14 min 16 s
